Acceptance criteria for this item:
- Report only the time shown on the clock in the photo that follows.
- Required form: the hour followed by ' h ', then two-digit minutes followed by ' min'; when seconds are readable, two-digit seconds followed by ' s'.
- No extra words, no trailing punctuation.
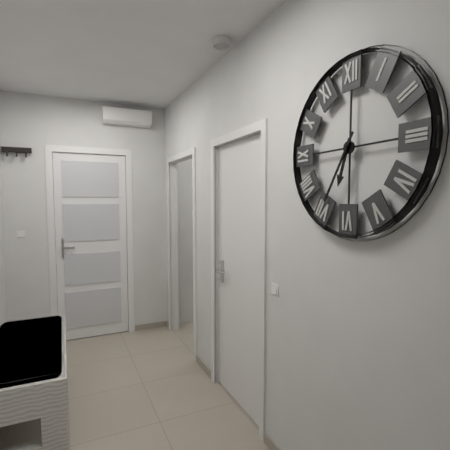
6 h 35 min
